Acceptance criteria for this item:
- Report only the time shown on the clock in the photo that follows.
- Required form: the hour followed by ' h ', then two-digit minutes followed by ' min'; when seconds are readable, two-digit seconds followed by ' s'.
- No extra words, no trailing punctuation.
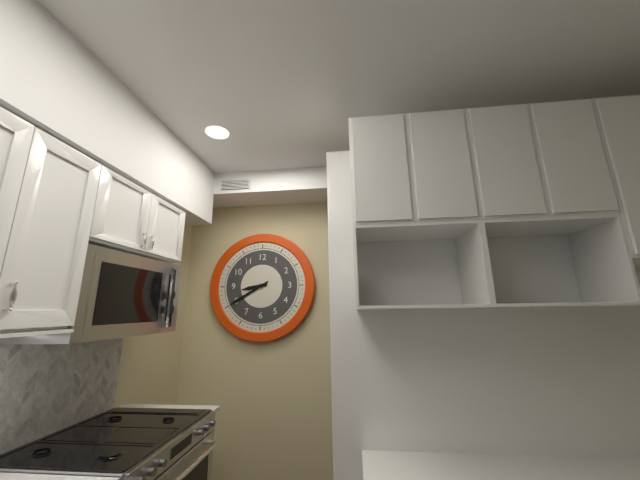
8 h 40 min
